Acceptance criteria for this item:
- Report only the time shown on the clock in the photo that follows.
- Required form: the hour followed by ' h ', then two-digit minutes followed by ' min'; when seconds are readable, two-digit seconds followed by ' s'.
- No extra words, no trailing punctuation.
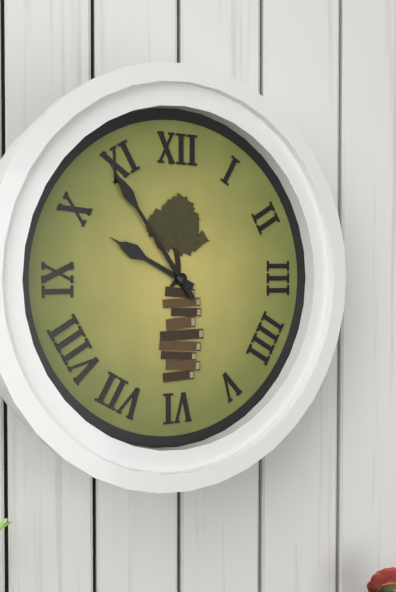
9 h 54 min
